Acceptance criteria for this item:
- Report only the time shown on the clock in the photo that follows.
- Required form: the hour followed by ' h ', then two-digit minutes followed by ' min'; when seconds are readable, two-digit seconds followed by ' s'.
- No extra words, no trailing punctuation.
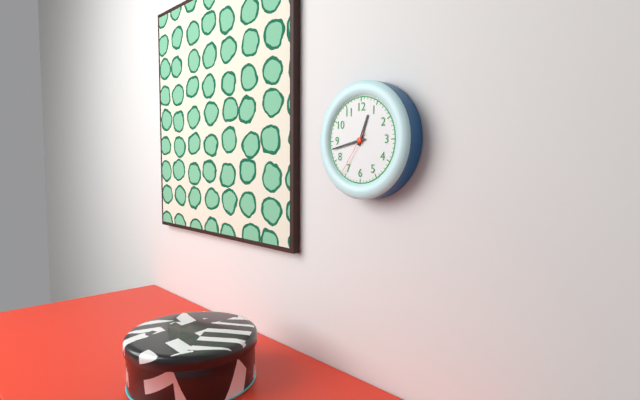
12 h 43 min 36 s
